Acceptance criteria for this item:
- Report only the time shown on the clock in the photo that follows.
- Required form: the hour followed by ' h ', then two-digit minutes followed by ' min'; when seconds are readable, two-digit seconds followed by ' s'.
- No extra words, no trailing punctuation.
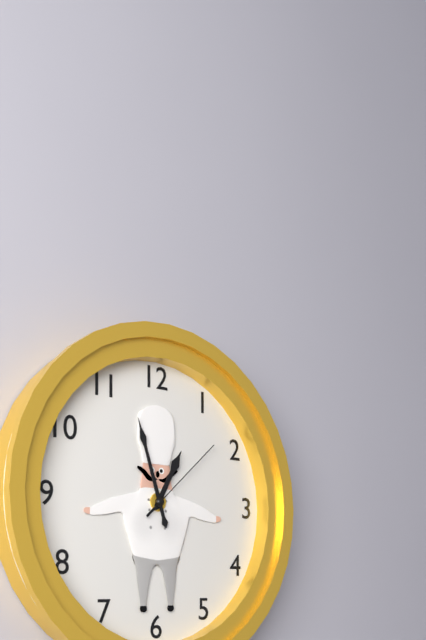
12 h 57 min 08 s
